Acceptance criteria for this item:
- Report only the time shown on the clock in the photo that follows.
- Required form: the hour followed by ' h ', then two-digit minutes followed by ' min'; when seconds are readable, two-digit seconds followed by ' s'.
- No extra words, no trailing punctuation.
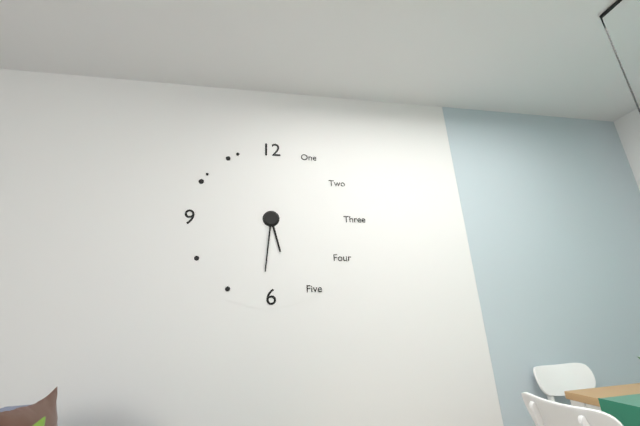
5 h 31 min
